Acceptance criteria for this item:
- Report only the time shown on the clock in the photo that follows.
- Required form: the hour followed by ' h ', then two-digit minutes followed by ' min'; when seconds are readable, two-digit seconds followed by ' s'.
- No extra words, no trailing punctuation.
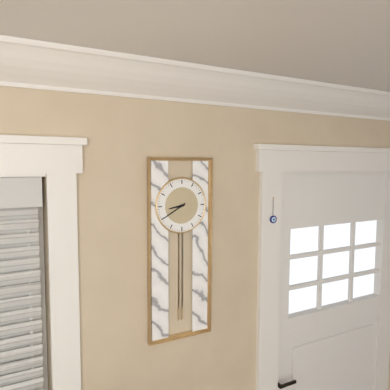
8 h 40 min
